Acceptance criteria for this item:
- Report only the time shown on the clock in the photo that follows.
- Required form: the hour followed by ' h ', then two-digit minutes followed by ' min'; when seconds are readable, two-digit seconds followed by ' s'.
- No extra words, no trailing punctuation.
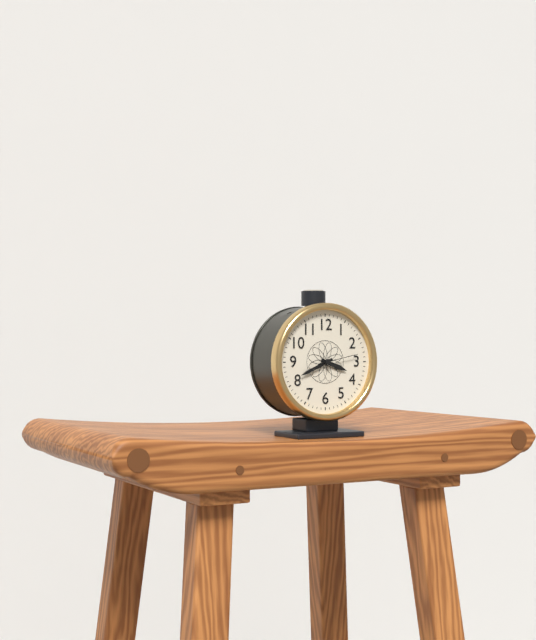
3 h 41 min
